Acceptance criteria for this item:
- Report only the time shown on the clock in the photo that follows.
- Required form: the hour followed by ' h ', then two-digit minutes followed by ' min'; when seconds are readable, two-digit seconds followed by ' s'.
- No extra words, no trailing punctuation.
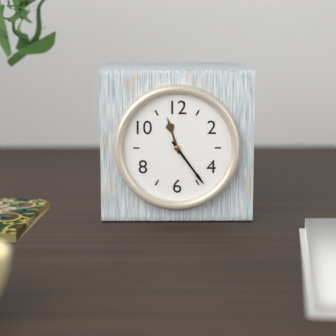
11 h 24 min
